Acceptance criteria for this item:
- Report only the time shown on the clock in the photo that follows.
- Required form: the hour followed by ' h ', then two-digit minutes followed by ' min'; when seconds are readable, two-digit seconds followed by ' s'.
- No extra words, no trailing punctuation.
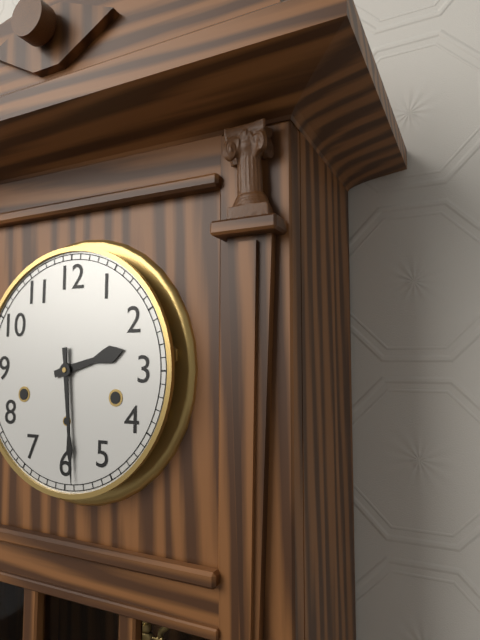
2 h 29 min
